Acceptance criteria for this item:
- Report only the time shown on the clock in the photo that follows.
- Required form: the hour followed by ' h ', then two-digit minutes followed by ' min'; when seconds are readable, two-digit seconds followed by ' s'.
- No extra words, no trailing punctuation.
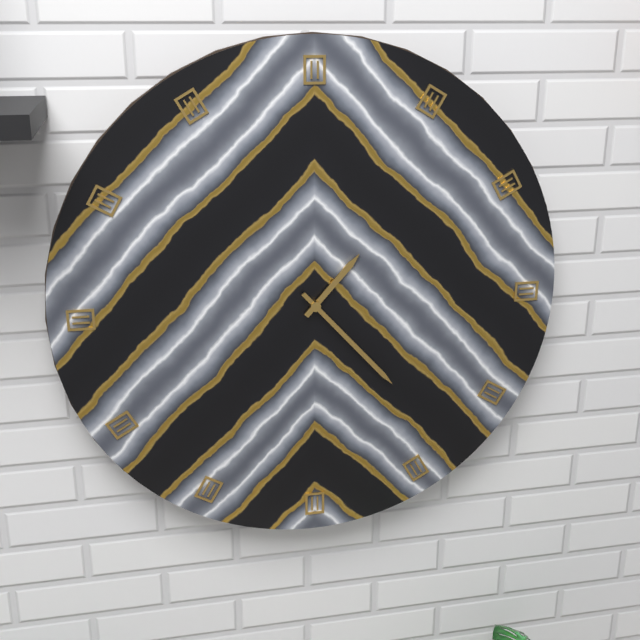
1 h 23 min
